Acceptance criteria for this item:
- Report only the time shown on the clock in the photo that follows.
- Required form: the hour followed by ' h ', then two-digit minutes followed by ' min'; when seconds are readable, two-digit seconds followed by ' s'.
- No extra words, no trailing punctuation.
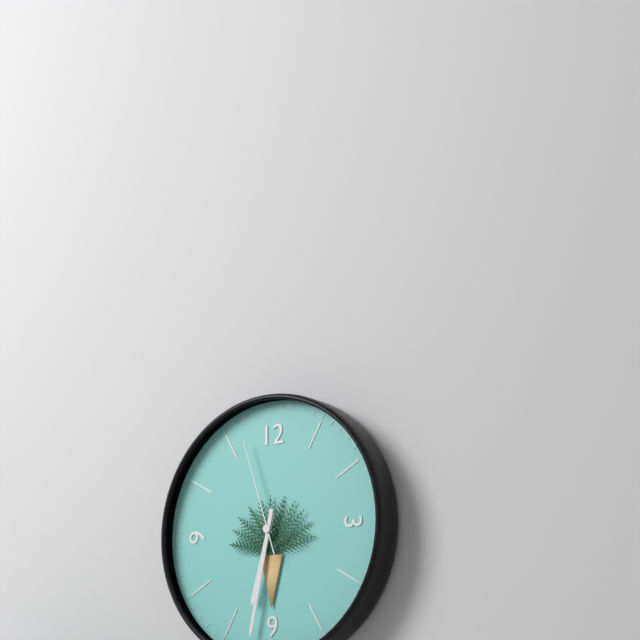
6 h 32 min 57 s
